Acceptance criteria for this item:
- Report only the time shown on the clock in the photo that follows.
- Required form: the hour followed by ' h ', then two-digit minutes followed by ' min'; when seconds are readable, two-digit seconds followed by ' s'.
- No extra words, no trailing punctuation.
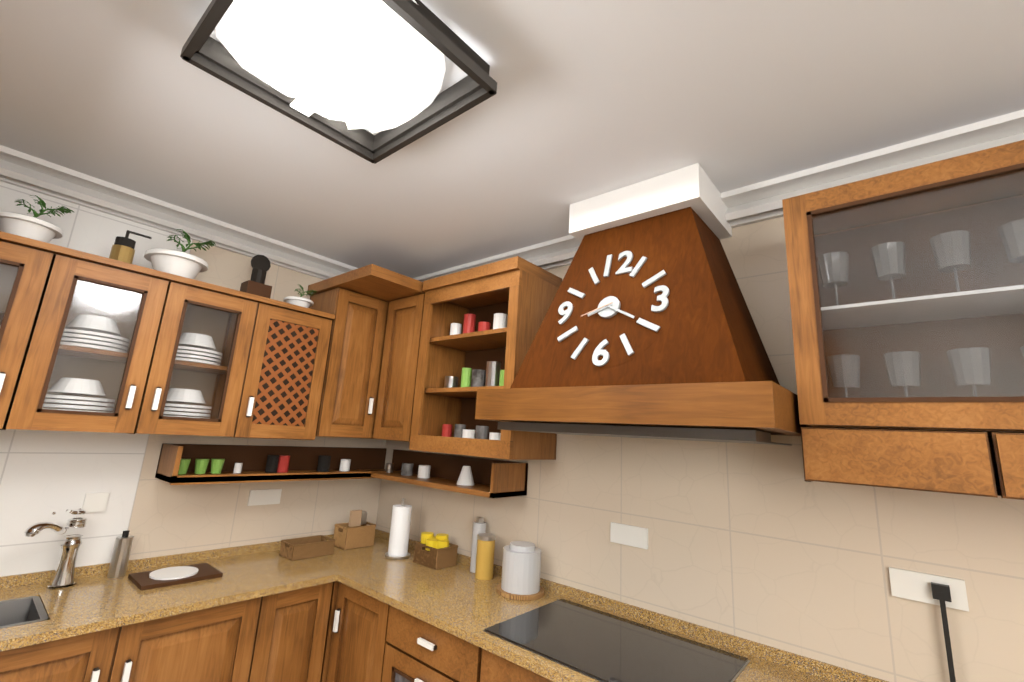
8 h 20 min
